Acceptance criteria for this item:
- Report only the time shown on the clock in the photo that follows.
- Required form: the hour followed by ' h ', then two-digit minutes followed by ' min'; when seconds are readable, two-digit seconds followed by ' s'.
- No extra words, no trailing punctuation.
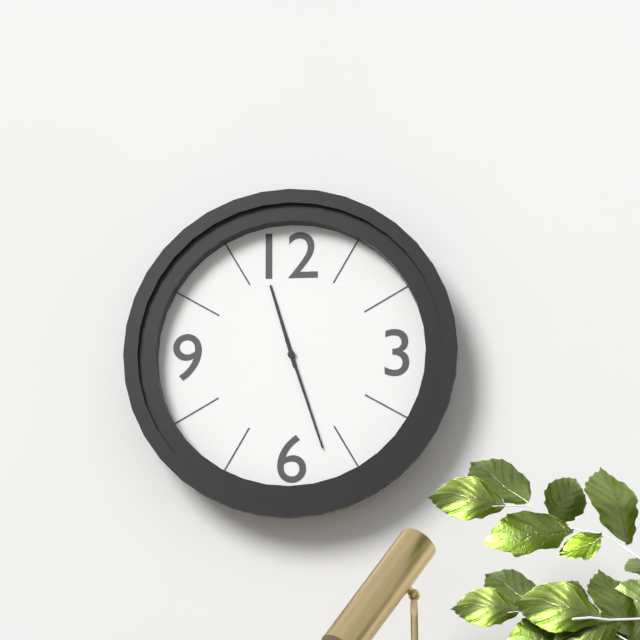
11 h 27 min
